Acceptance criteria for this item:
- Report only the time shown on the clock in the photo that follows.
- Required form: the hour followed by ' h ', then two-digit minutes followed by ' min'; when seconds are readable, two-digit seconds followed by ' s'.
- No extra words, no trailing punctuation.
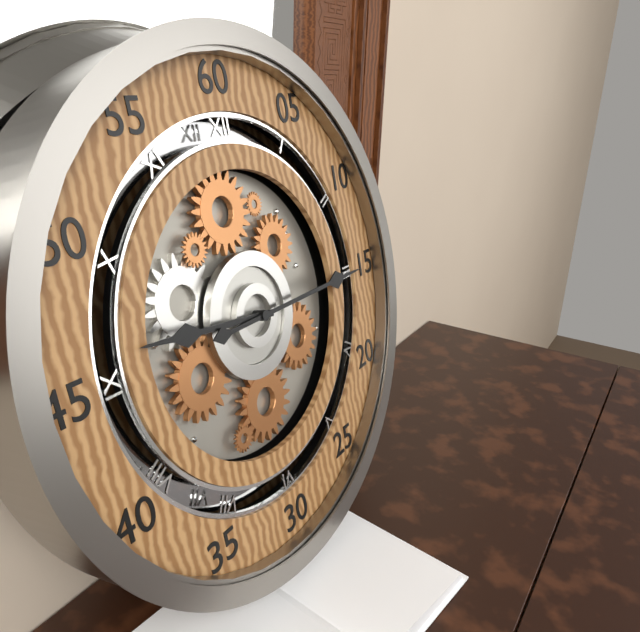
9 h 15 min
